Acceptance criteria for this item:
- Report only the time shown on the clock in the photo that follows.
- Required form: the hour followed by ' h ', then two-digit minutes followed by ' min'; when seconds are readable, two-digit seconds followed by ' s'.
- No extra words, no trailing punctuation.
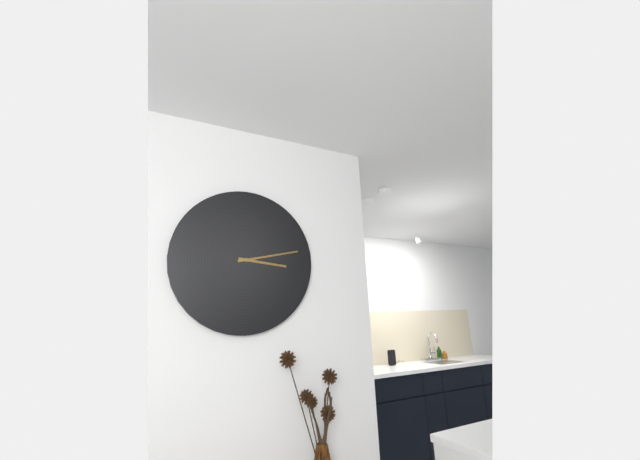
3 h 13 min
